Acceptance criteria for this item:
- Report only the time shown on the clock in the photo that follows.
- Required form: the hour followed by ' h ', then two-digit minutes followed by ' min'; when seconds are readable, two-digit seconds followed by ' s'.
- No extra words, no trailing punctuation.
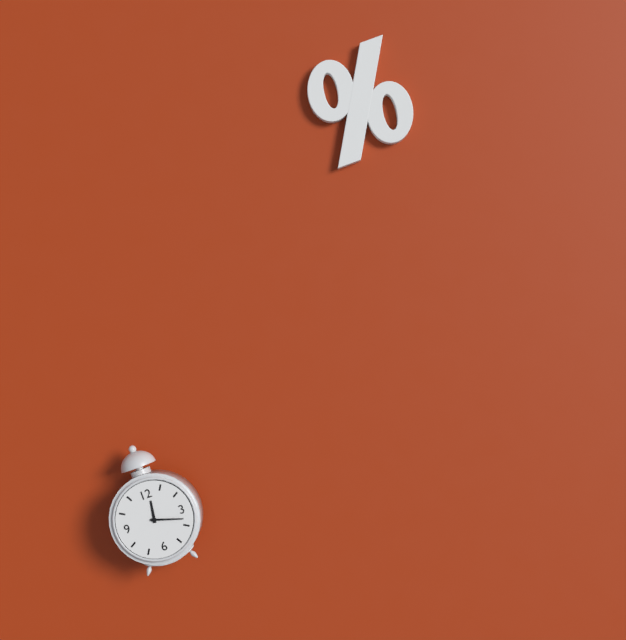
12 h 18 min
